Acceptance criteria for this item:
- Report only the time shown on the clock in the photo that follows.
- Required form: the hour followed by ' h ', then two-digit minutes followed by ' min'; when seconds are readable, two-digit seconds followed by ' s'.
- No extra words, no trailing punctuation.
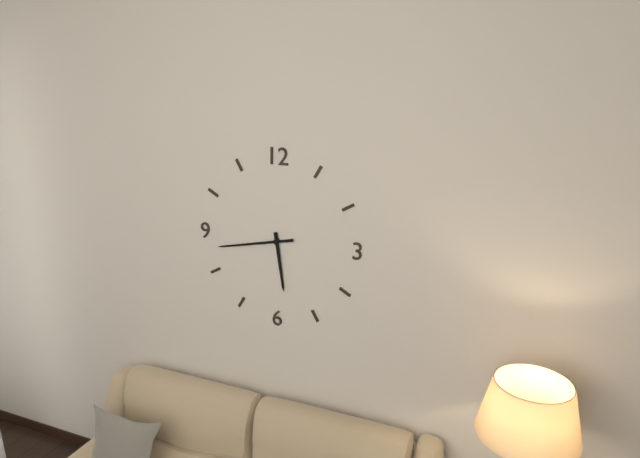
5 h 43 min
